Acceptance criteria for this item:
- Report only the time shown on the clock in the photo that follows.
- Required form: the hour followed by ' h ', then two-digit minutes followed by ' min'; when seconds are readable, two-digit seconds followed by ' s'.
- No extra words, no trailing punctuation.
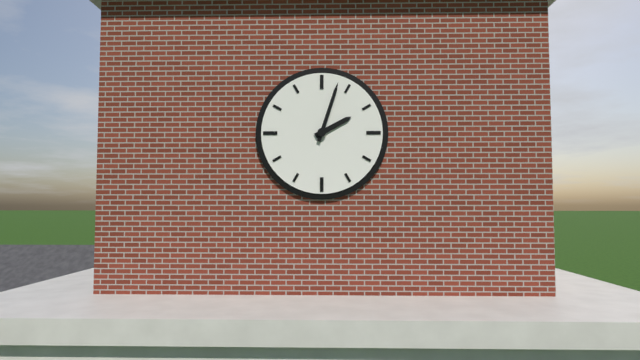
2 h 03 min
